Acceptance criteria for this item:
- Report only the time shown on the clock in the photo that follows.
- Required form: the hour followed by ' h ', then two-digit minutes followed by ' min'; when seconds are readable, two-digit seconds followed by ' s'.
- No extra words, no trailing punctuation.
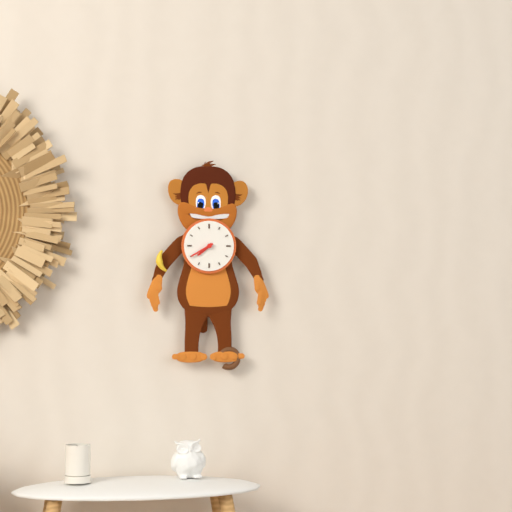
7 h 40 min
